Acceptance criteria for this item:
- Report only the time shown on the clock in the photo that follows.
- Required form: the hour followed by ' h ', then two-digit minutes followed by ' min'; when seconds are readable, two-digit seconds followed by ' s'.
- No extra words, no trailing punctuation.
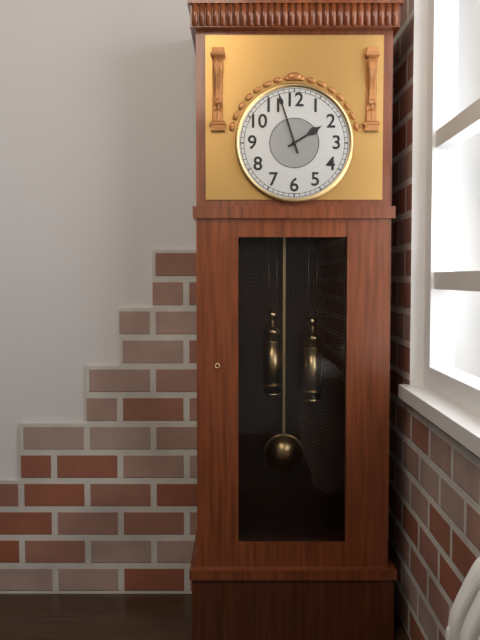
1 h 57 min
